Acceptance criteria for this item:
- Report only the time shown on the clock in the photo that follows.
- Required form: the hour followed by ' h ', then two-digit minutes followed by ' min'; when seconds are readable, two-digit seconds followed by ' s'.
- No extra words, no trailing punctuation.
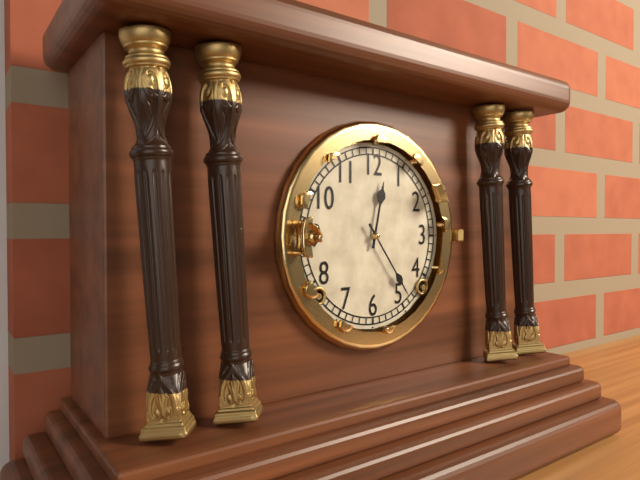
12 h 24 min
